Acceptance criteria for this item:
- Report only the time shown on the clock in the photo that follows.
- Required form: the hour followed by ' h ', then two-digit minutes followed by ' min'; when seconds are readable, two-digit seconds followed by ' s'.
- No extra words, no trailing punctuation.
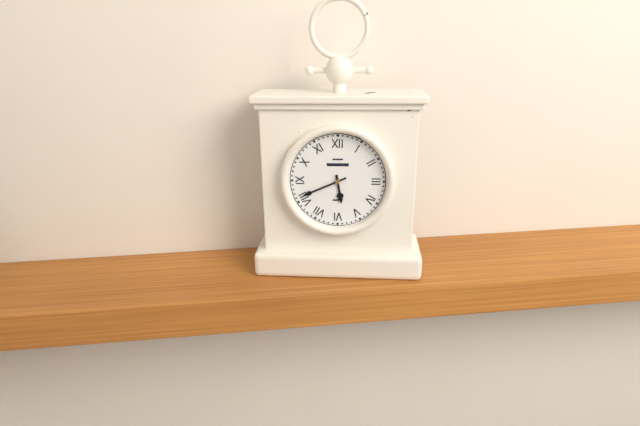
5 h 41 min
